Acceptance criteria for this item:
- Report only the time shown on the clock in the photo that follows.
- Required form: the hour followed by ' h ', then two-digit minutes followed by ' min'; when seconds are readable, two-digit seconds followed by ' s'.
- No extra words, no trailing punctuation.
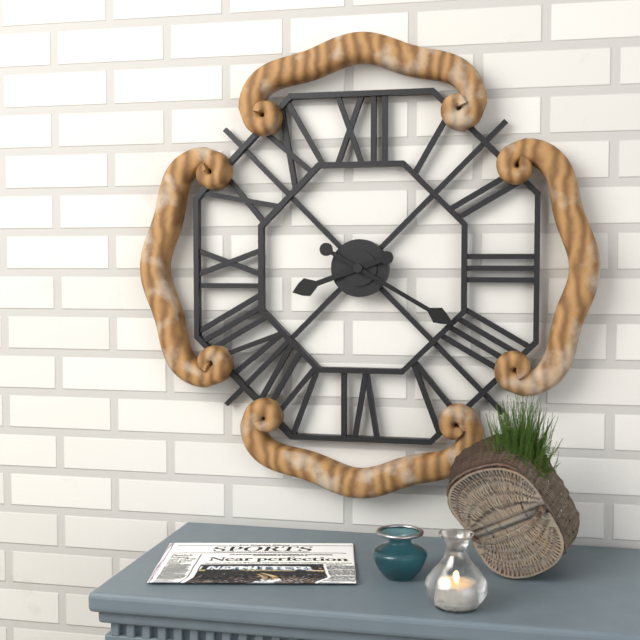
8 h 20 min
